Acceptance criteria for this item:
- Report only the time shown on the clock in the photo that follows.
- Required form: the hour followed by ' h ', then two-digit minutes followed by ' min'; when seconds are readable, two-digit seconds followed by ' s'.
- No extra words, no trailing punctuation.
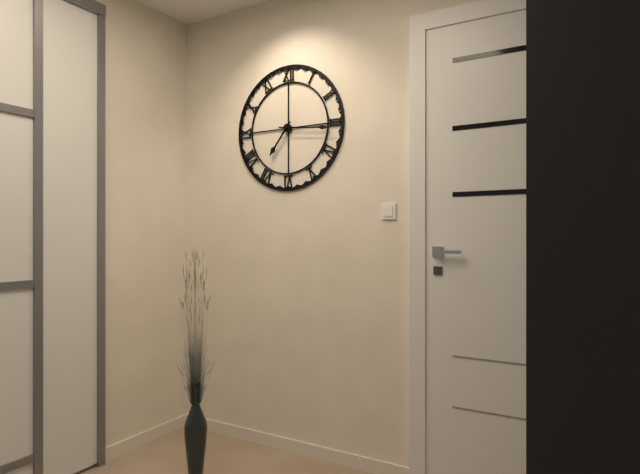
7 h 16 min
